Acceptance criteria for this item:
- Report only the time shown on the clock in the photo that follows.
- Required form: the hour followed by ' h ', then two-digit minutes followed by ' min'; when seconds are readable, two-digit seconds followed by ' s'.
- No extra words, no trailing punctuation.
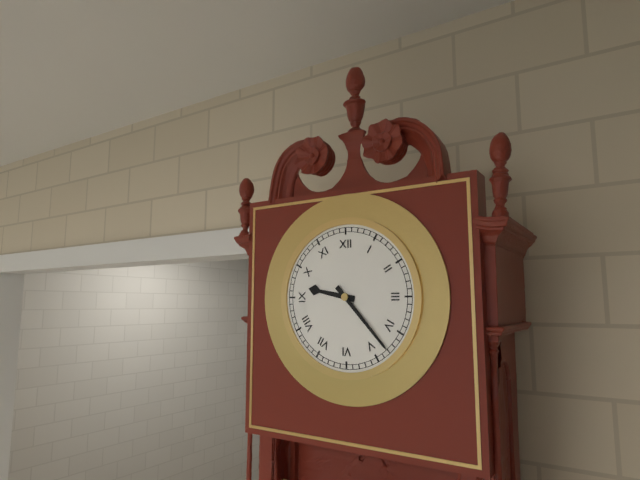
9 h 23 min
